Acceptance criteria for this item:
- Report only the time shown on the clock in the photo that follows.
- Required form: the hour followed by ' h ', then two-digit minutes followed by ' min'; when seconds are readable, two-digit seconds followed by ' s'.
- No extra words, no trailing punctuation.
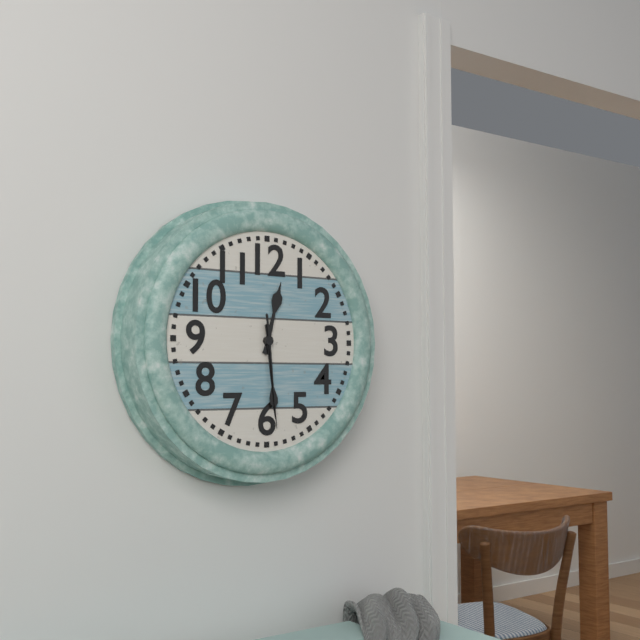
12 h 29 min 29 s
